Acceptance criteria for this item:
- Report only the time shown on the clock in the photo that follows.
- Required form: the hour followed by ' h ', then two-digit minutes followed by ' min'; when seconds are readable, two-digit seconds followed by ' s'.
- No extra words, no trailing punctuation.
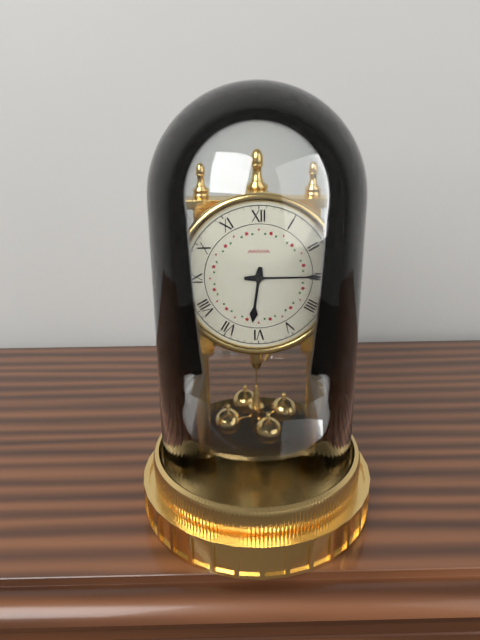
6 h 15 min
